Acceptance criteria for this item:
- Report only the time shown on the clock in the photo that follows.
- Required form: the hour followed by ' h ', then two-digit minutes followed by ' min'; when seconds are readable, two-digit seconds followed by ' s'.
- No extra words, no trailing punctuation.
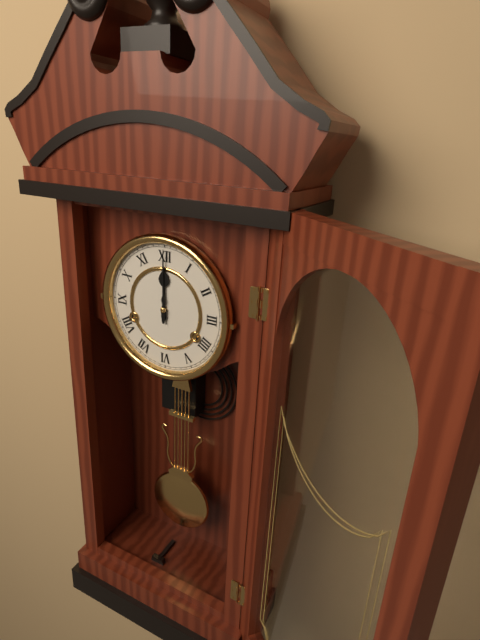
12 h 00 min
